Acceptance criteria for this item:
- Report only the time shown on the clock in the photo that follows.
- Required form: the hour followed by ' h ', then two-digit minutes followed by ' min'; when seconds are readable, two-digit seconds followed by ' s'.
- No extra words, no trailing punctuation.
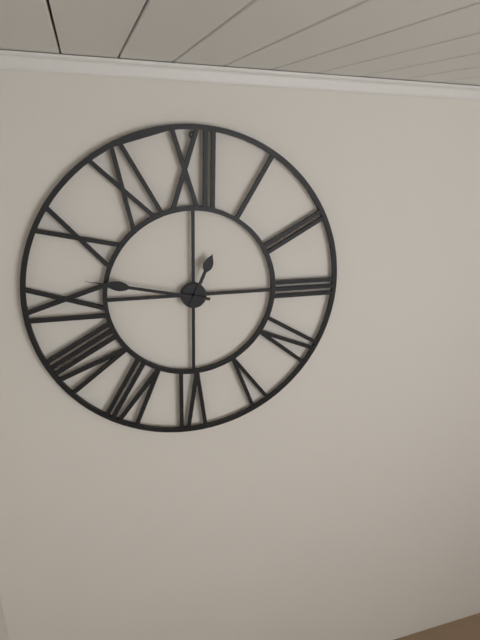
12 h 47 min
